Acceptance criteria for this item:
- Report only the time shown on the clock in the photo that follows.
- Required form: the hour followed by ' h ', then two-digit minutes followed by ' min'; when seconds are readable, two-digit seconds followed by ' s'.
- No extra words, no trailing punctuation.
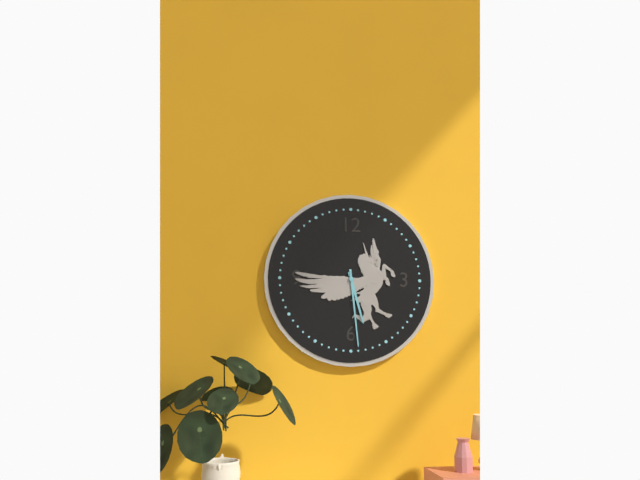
5 h 29 min
